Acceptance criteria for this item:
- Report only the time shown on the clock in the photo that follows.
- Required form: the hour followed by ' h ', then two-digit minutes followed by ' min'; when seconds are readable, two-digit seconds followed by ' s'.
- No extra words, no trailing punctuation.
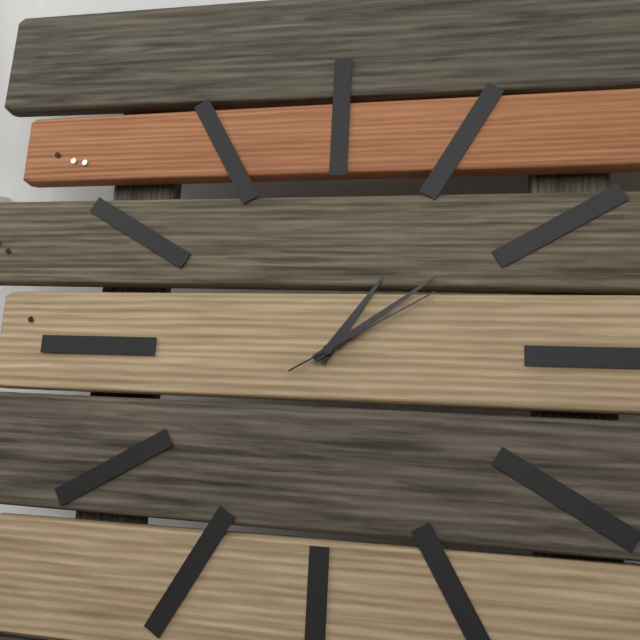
1 h 09 min 10 s
